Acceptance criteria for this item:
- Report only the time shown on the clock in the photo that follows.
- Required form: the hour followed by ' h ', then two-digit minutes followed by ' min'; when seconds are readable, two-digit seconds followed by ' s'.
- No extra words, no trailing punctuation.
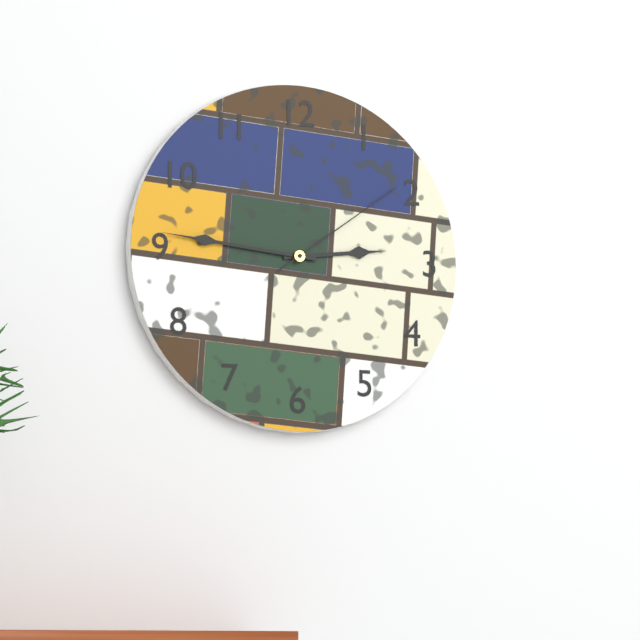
2 h 46 min 09 s
